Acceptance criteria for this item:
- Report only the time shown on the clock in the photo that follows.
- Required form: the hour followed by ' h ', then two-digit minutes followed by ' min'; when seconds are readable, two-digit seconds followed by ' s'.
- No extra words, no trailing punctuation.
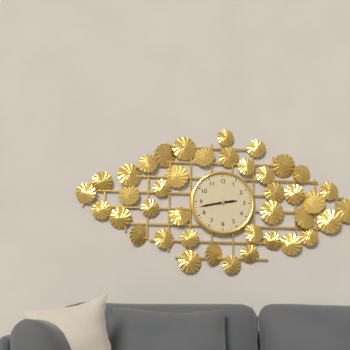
2 h 43 min
